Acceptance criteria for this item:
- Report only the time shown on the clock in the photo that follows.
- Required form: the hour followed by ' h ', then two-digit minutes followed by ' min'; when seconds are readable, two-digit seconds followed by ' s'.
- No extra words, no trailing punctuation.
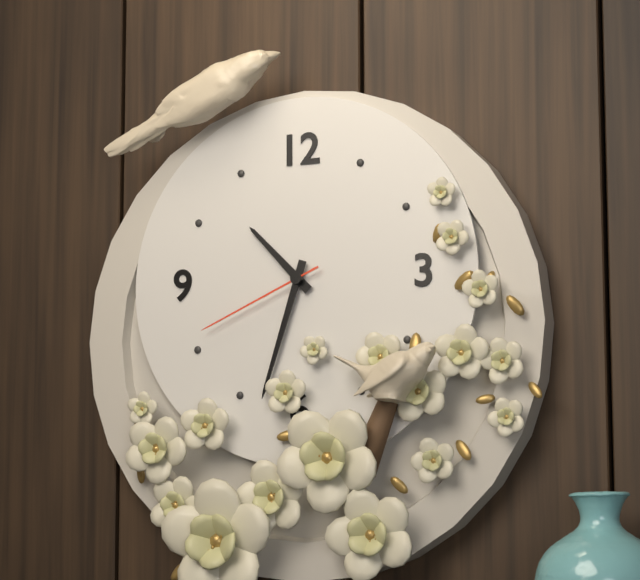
10 h 33 min 41 s
